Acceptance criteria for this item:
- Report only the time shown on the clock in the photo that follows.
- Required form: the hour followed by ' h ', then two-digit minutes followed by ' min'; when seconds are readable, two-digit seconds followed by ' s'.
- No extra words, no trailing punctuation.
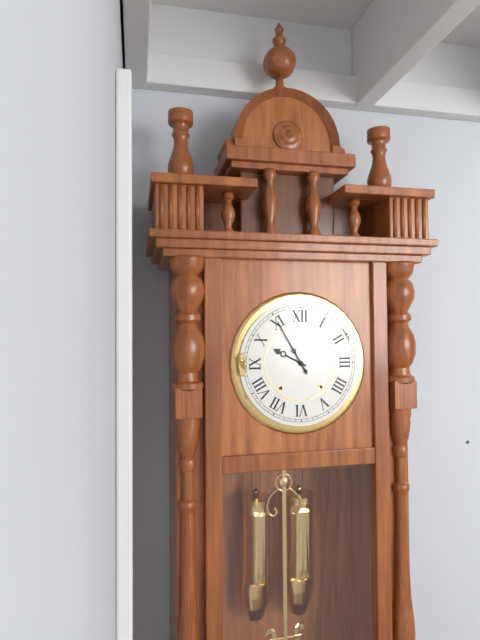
9 h 55 min
